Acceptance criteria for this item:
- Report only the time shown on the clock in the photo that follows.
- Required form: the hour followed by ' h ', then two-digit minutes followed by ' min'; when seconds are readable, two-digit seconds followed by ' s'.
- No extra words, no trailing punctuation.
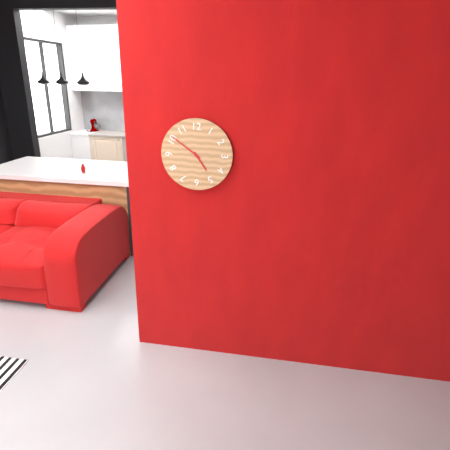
4 h 51 min
